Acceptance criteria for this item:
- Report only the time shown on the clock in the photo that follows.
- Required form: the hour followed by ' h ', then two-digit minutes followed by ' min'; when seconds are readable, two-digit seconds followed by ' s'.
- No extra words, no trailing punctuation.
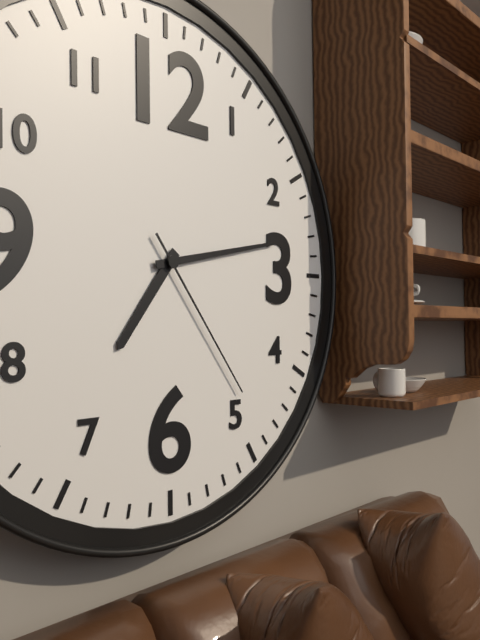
7 h 13 min 24 s
